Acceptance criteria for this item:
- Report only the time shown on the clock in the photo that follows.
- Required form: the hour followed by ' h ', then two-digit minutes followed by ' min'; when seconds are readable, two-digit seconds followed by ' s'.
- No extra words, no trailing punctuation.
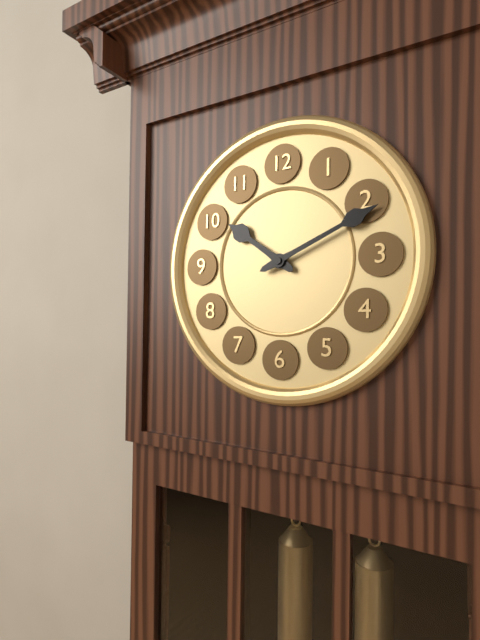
10 h 11 min
